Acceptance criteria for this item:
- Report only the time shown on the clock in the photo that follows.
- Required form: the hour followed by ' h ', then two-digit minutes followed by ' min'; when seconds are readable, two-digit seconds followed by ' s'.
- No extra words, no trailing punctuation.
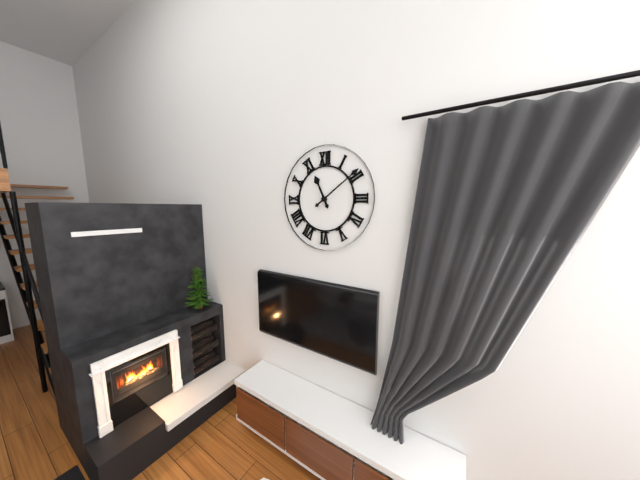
11 h 09 min
